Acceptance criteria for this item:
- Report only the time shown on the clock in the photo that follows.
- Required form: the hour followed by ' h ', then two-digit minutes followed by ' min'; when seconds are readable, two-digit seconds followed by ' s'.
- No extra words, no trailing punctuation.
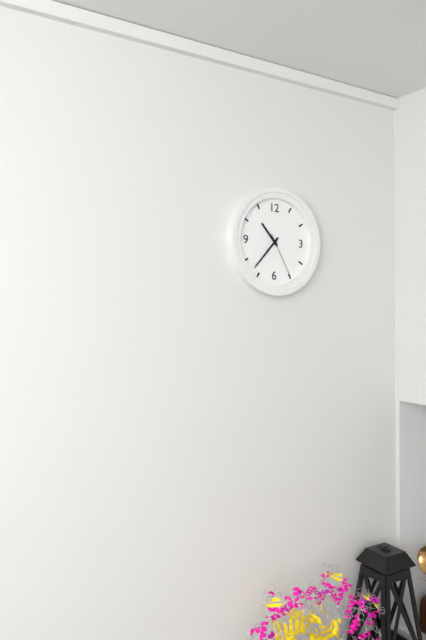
10 h 37 min
